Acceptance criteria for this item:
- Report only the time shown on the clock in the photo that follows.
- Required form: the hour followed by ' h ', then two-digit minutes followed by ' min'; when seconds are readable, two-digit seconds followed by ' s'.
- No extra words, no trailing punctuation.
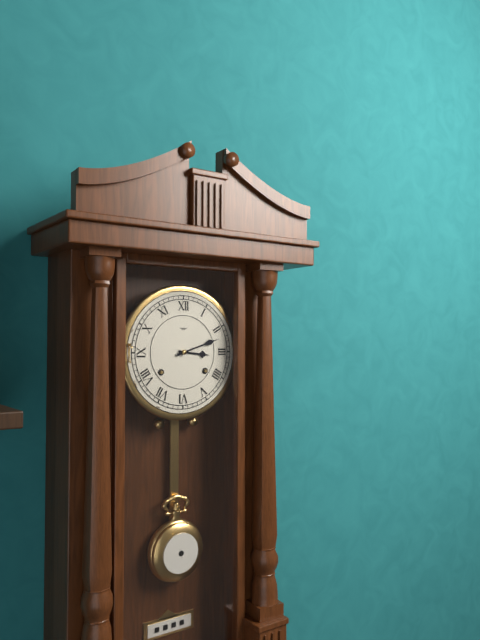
3 h 12 min
